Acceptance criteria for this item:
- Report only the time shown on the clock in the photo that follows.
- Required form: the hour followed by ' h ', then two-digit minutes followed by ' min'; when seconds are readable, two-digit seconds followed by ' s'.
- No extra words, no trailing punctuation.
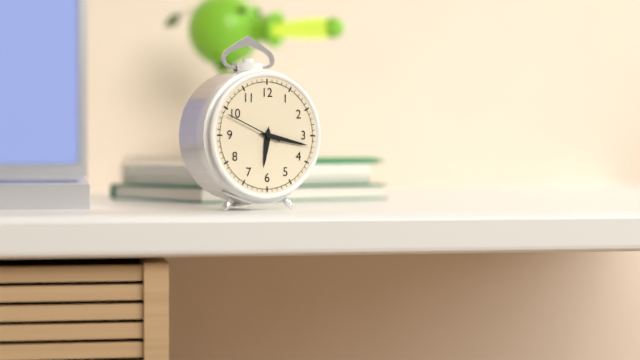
6 h 17 min 49 s
